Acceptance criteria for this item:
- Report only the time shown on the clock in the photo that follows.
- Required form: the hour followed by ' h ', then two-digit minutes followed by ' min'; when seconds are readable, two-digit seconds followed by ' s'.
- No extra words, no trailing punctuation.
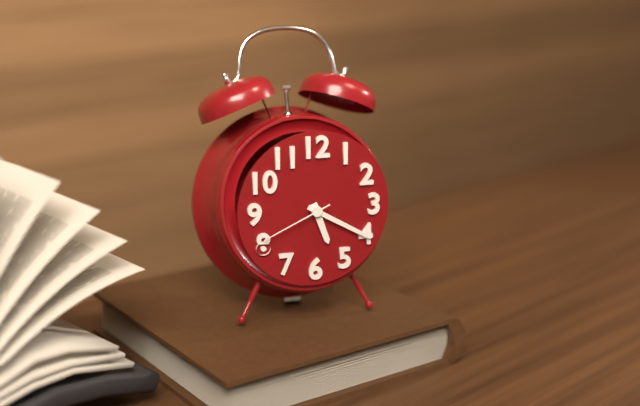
5 h 20 min 41 s
